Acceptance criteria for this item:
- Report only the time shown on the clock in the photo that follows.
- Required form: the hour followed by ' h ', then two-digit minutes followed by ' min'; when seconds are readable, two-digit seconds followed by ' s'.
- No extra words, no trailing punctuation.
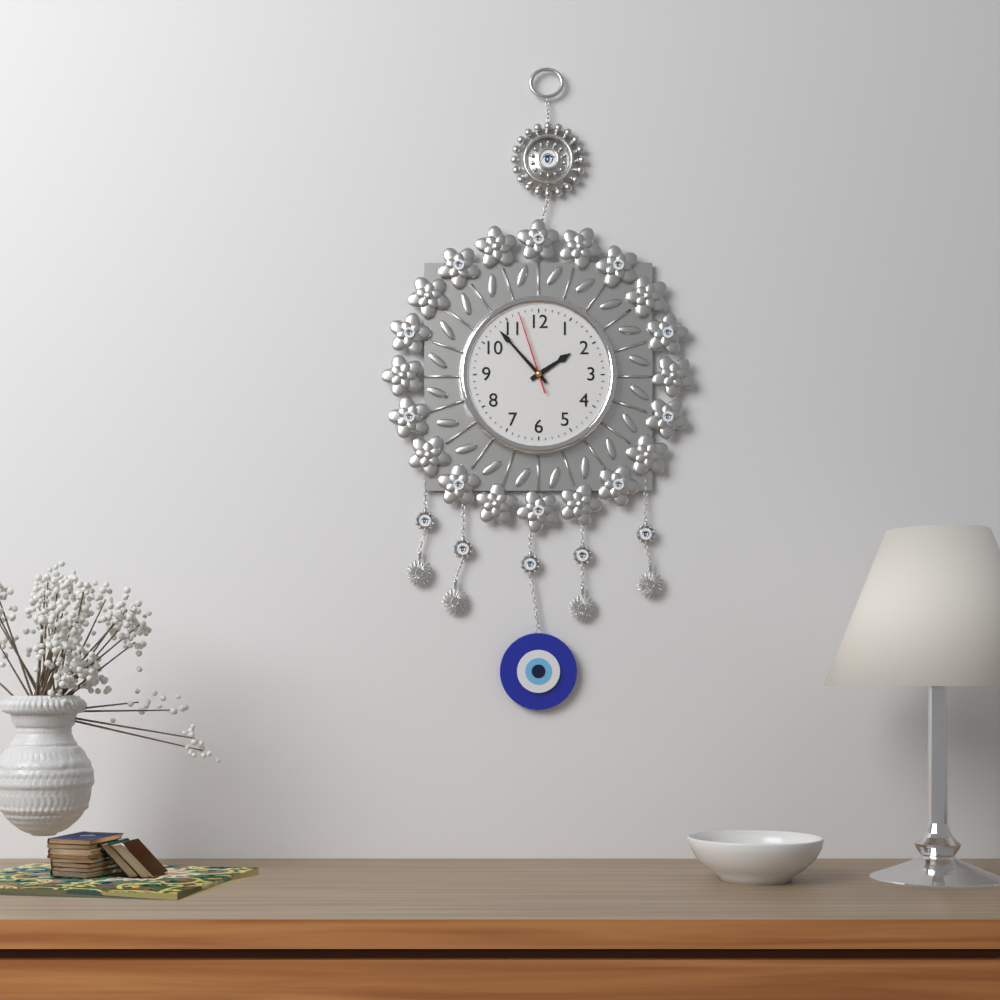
1 h 53 min 57 s
